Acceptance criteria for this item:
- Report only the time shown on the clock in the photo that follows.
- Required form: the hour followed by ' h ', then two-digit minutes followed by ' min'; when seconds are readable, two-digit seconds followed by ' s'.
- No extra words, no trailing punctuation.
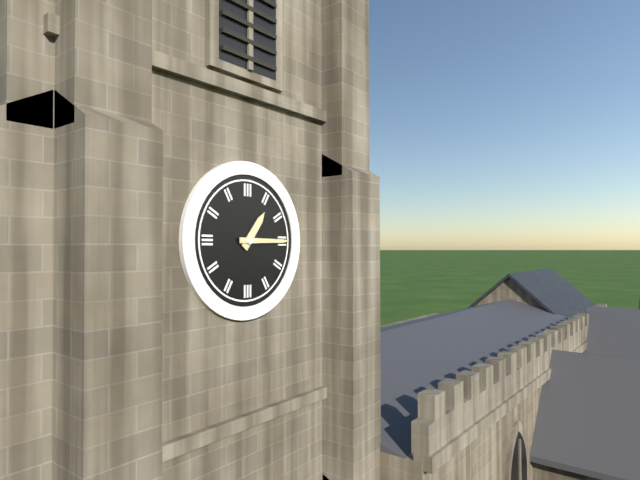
1 h 15 min
